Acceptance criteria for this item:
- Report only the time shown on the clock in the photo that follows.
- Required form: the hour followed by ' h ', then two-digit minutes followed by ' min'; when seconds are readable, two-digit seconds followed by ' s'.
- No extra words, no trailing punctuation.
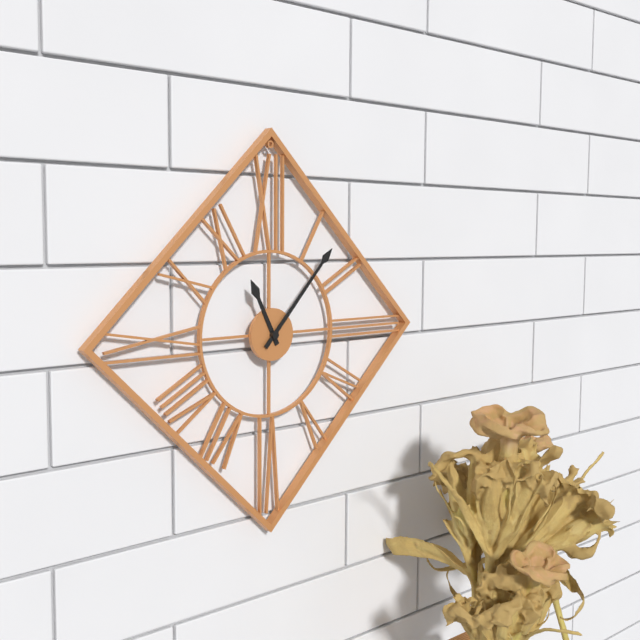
11 h 07 min
